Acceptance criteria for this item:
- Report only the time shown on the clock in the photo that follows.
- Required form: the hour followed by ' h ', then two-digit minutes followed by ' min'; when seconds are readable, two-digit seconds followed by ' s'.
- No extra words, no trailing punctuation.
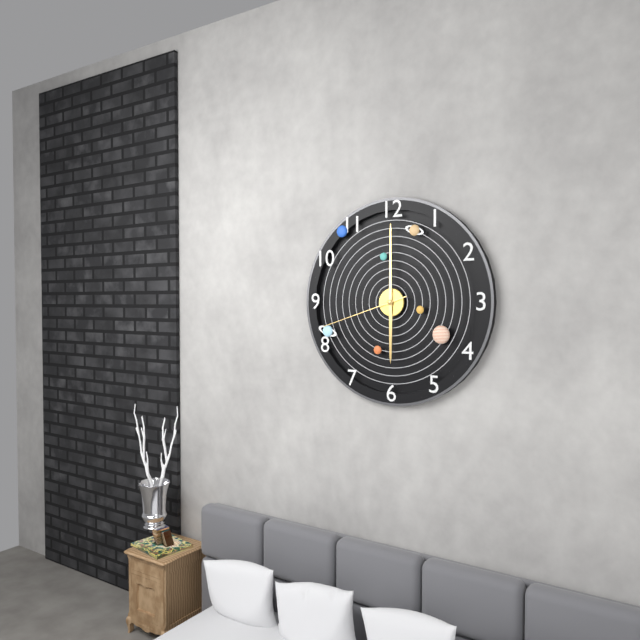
6 h 00 min 42 s
